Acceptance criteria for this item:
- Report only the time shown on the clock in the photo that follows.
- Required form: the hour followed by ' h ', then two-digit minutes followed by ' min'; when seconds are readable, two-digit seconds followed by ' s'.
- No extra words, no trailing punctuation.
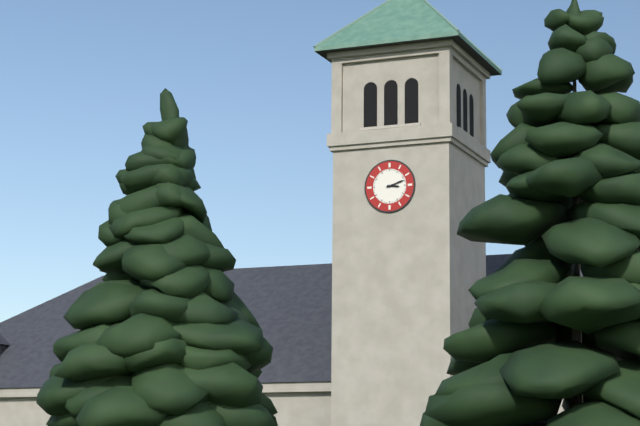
3 h 12 min
